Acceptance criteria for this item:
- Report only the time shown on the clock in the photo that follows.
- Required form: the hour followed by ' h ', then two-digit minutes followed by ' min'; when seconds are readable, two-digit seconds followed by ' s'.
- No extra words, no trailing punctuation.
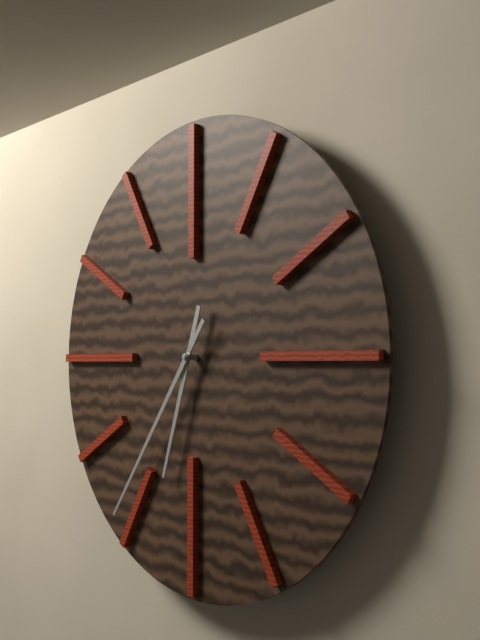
6 h 36 min
